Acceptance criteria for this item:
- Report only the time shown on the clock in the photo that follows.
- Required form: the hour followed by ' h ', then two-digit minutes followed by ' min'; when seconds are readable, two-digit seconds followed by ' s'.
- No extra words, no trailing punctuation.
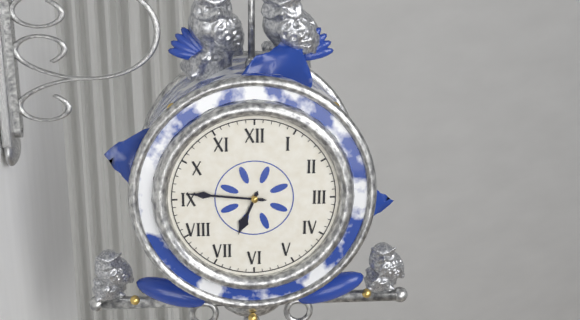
6 h 46 min
